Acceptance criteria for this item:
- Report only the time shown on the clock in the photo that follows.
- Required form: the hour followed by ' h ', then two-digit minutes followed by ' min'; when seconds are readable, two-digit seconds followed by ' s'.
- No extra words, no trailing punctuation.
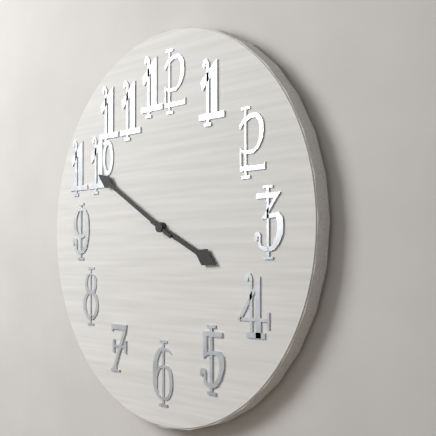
3 h 50 min
